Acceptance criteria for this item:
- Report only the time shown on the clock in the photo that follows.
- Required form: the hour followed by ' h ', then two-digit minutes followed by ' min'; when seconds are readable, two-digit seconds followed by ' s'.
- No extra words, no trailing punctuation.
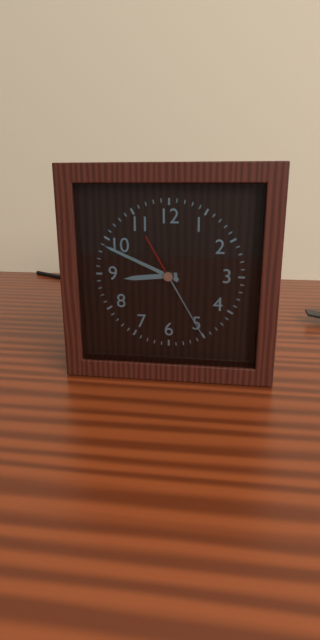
8 h 49 min 25 s
